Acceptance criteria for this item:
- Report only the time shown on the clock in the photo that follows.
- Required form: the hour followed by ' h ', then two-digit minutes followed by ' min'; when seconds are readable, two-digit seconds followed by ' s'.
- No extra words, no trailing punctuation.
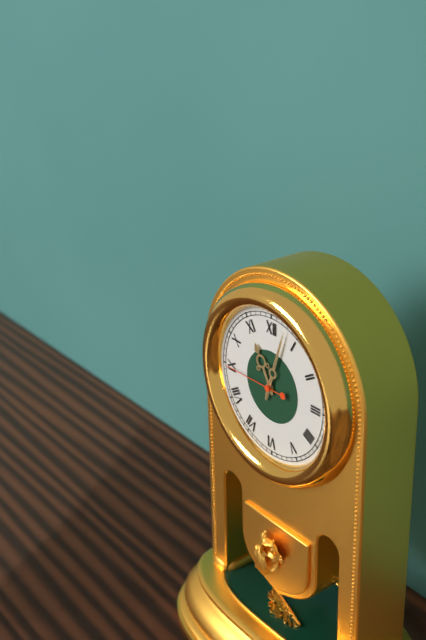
11 h 03 min 45 s
